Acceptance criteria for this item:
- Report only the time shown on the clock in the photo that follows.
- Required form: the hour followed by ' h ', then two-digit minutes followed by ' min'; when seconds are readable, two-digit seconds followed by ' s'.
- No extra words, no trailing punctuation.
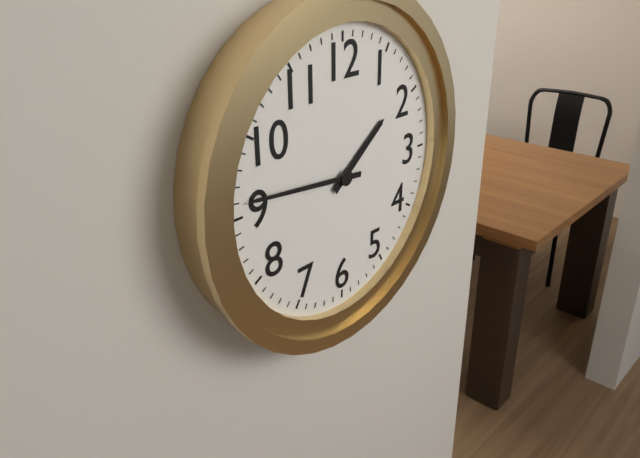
1 h 46 min
